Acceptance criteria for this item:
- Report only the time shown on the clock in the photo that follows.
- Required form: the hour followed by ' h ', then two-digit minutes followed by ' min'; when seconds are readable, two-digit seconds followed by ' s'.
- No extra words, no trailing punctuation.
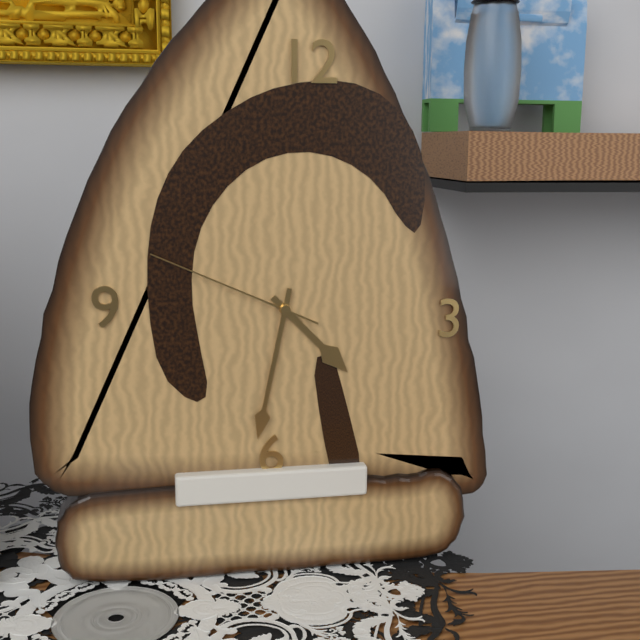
4 h 32 min 49 s
